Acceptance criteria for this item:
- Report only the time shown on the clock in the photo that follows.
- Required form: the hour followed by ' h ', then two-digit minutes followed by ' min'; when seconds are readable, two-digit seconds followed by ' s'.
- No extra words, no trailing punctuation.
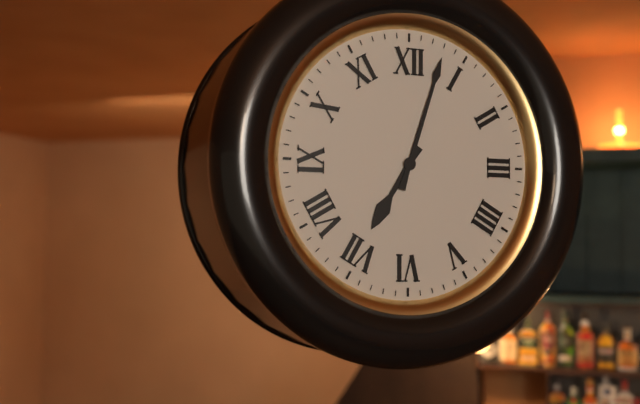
7 h 03 min
